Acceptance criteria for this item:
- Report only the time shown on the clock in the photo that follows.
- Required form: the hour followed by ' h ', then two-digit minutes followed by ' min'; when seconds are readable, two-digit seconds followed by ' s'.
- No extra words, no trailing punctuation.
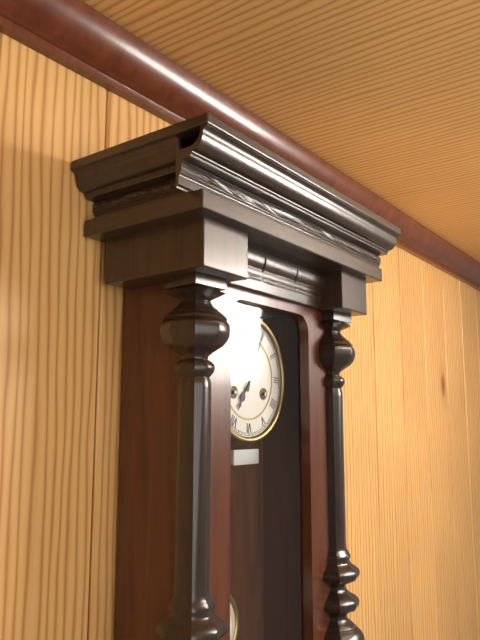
7 h 04 min
